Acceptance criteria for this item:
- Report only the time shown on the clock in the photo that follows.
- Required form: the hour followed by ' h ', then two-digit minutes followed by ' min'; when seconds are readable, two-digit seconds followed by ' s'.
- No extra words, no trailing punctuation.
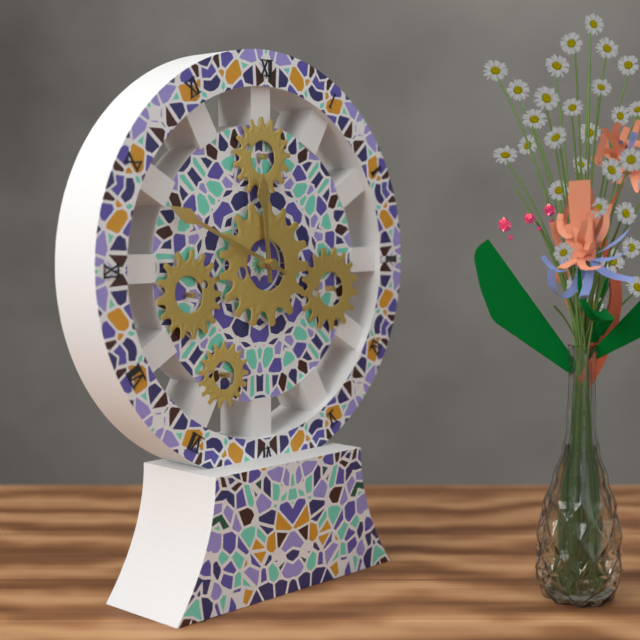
11 h 49 min
